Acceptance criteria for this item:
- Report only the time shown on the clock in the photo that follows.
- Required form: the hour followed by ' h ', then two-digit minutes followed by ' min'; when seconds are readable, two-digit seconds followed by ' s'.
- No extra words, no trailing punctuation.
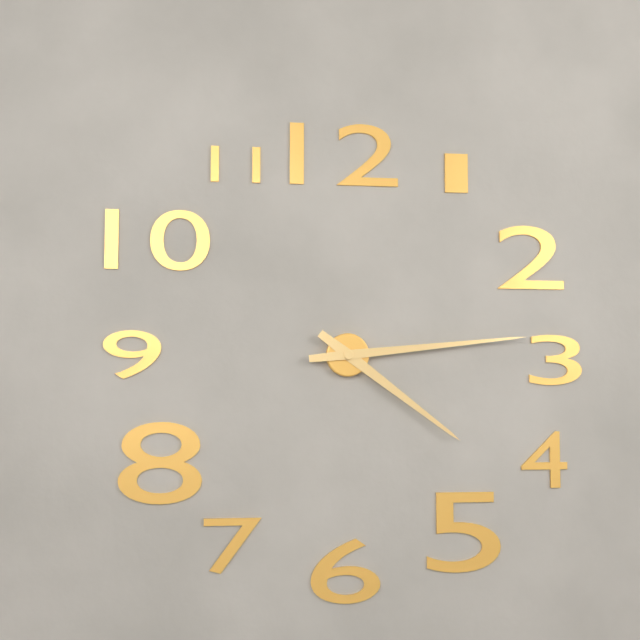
4 h 14 min
